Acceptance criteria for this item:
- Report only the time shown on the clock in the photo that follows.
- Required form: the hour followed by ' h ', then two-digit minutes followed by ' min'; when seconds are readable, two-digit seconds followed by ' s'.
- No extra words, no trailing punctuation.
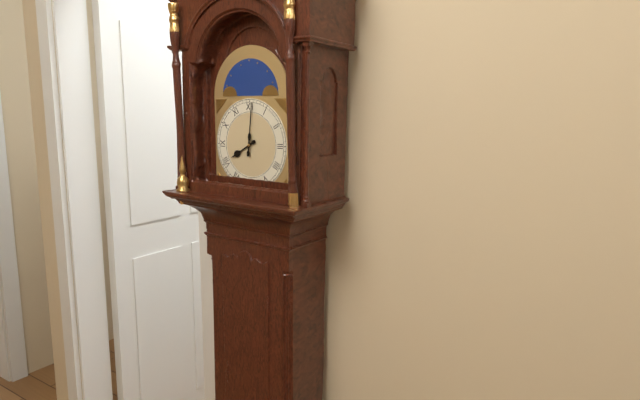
8 h 01 min
